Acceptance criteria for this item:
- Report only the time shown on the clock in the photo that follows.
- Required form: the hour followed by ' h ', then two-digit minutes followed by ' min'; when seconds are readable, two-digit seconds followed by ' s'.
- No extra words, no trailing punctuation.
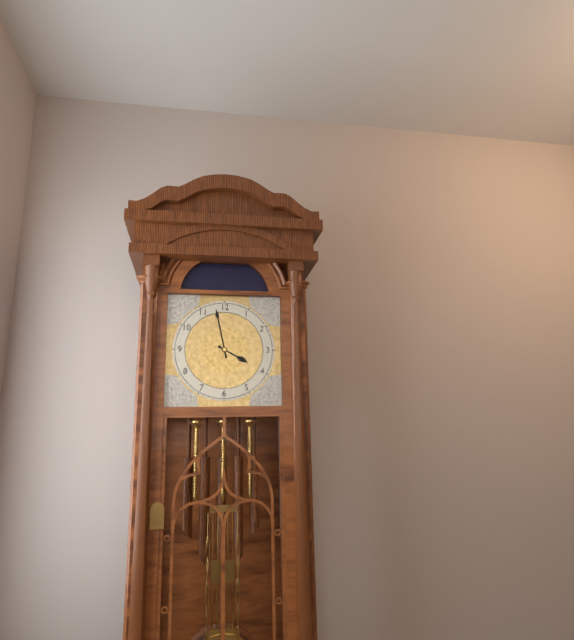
3 h 58 min
